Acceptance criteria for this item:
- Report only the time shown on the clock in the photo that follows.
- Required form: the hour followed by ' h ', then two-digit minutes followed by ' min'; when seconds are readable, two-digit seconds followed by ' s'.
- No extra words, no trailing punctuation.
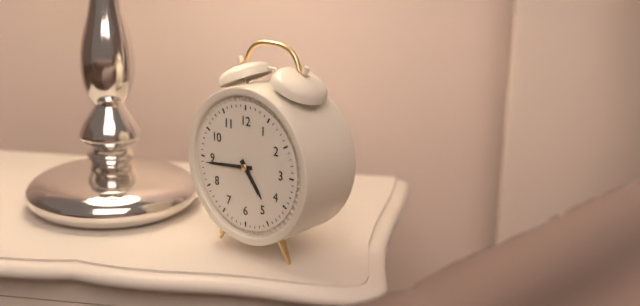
4 h 44 min
